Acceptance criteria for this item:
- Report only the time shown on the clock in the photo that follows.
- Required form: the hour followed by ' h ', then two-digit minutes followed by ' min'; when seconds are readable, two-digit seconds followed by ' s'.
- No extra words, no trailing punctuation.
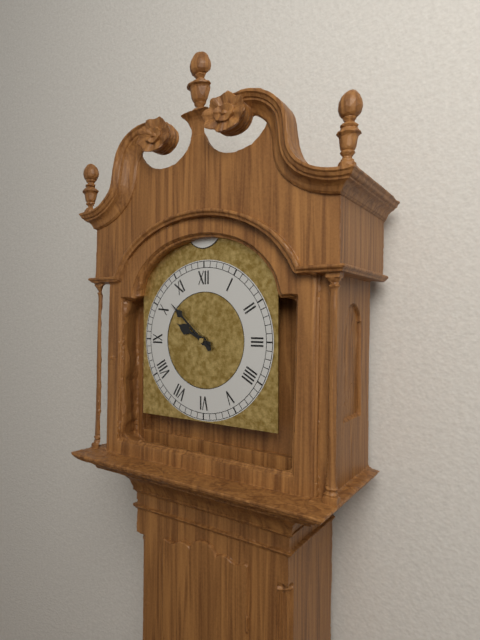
9 h 52 min
